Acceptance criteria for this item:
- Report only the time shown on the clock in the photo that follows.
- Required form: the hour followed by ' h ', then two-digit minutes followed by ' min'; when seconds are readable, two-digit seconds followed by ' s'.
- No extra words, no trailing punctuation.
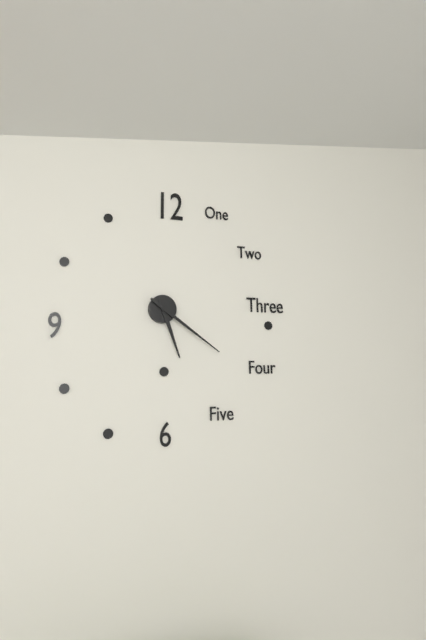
5 h 21 min
